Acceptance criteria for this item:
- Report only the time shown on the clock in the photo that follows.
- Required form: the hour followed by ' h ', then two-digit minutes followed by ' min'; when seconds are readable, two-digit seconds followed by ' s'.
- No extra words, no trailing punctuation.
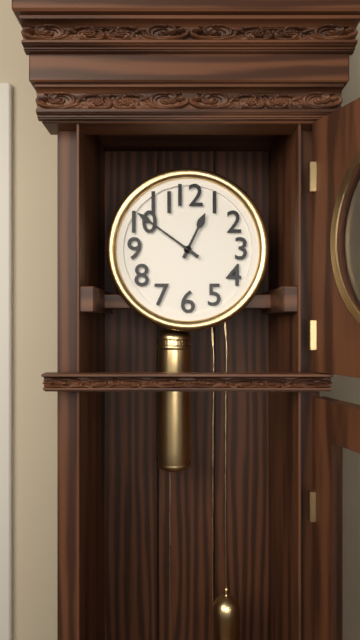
12 h 51 min
